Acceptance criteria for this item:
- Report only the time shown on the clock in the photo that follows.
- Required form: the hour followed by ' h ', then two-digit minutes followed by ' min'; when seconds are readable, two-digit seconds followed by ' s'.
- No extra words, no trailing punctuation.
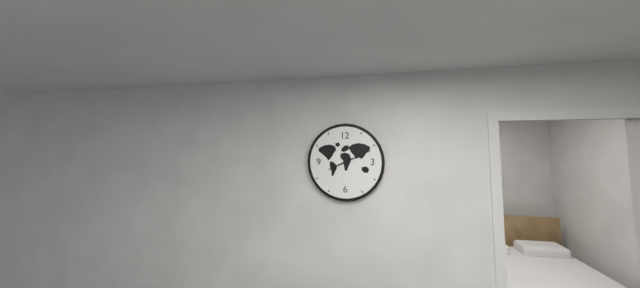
8 h 11 min
